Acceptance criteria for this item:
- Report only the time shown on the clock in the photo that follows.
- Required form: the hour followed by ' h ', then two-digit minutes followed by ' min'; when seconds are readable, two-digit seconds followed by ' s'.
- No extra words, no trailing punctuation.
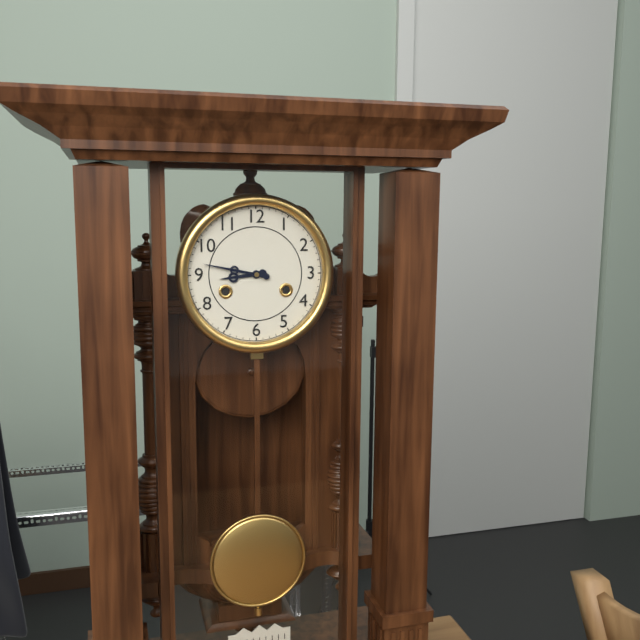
8 h 47 min
